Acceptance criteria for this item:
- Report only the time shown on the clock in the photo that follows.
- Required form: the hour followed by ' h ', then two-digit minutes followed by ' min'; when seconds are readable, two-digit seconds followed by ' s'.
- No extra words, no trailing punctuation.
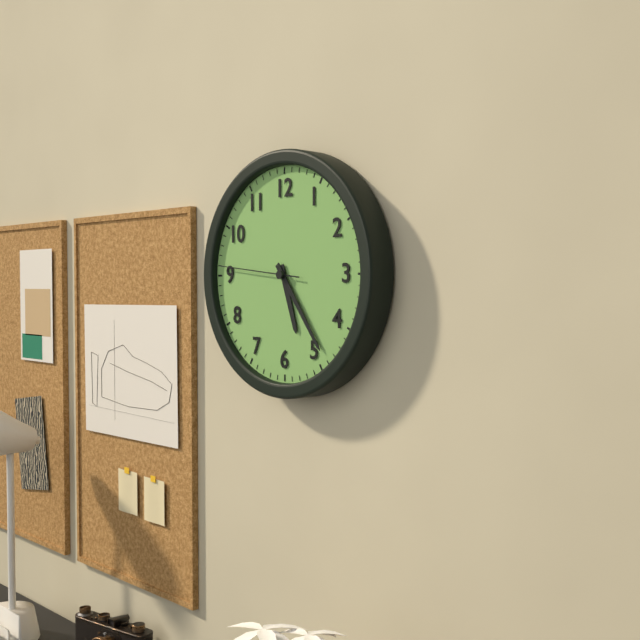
5 h 24 min 46 s
